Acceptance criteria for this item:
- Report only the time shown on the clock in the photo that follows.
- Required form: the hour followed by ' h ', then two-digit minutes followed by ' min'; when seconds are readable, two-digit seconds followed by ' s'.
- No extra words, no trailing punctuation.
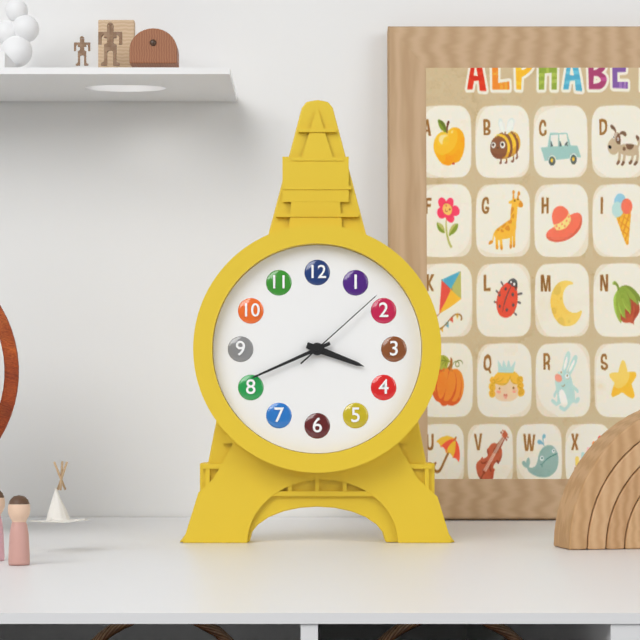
3 h 41 min 08 s
